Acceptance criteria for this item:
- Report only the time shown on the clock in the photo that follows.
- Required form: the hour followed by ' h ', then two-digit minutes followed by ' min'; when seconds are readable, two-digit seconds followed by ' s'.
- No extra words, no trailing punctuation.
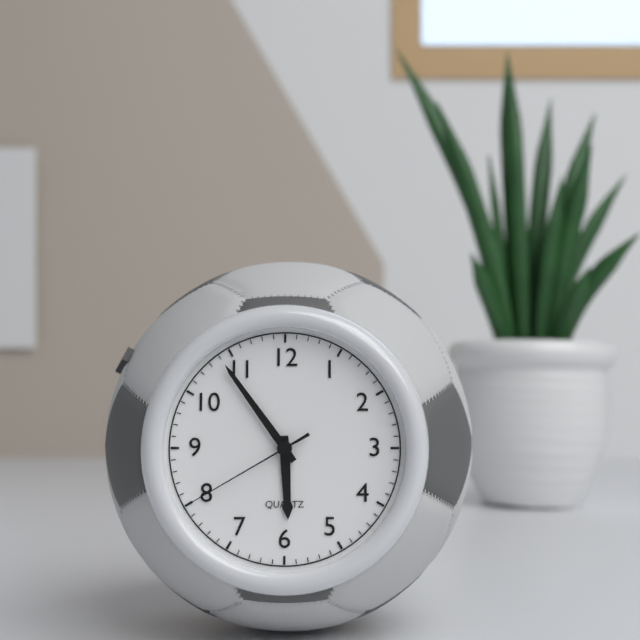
5 h 54 min 40 s
